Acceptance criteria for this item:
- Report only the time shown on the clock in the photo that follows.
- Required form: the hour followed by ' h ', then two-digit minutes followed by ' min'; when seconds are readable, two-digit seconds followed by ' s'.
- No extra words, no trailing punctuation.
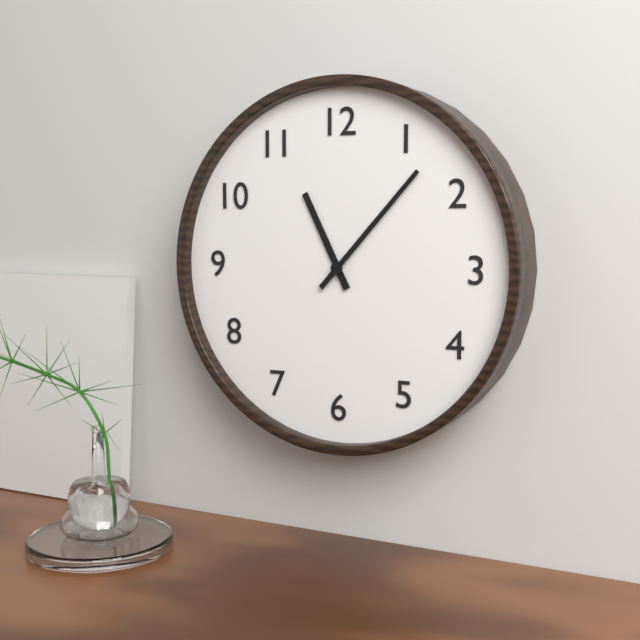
11 h 07 min
